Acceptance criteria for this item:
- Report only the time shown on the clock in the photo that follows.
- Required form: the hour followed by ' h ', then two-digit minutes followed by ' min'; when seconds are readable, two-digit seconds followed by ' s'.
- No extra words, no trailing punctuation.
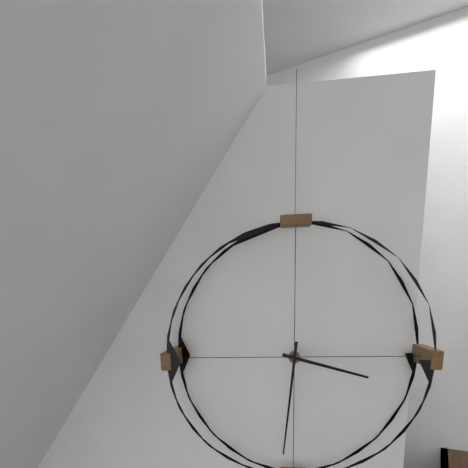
3 h 31 min
